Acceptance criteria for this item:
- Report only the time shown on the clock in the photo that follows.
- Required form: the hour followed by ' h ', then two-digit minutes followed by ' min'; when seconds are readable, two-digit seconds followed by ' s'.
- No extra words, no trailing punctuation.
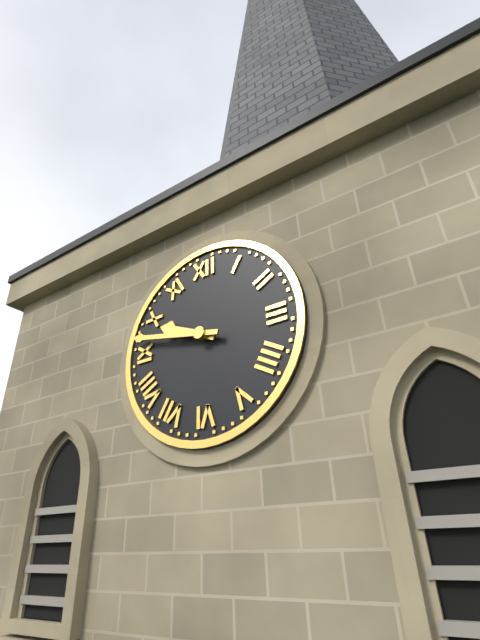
9 h 47 min
